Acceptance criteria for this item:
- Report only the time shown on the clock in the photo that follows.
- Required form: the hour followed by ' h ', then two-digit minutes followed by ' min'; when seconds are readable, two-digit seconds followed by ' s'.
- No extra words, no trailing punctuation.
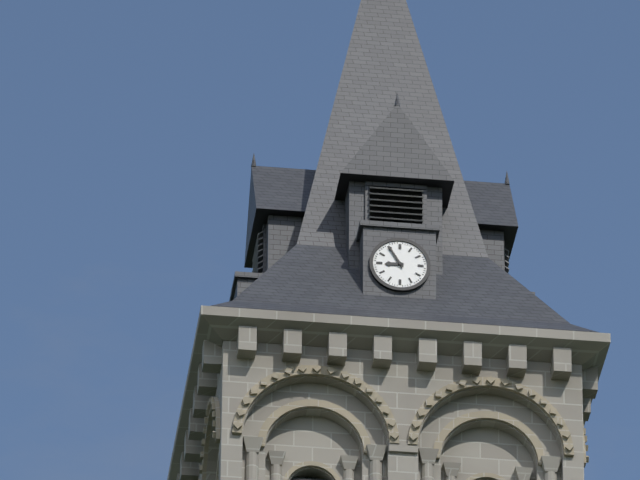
8 h 55 min
